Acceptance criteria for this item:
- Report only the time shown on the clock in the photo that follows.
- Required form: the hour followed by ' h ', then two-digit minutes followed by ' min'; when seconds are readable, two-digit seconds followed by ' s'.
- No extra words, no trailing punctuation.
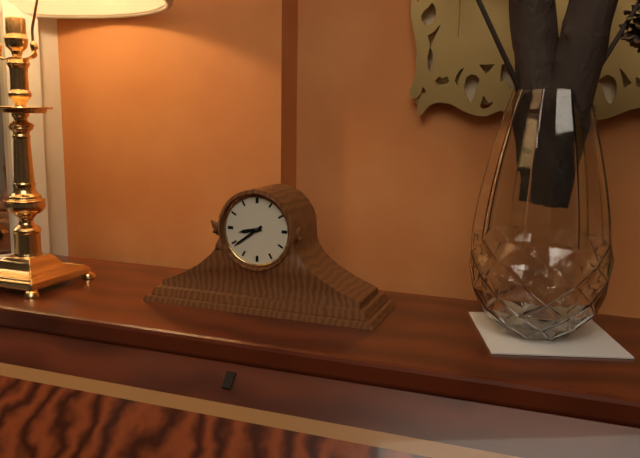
8 h 39 min
